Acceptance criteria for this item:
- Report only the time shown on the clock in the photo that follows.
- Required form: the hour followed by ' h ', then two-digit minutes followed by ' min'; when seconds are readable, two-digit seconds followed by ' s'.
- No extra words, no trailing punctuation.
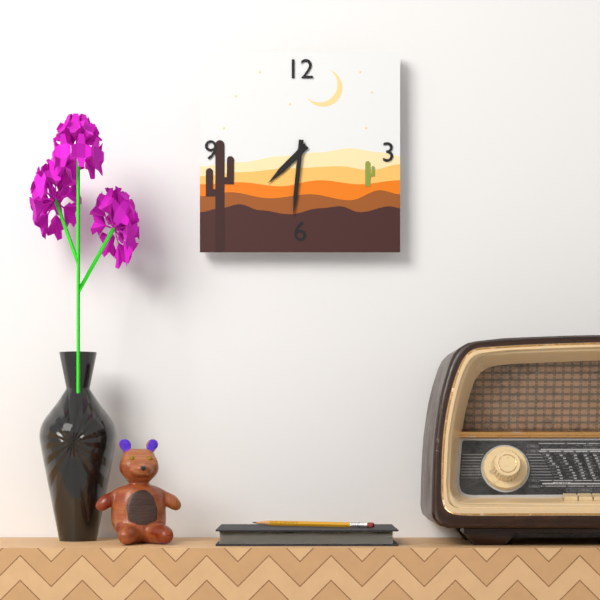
7 h 31 min
